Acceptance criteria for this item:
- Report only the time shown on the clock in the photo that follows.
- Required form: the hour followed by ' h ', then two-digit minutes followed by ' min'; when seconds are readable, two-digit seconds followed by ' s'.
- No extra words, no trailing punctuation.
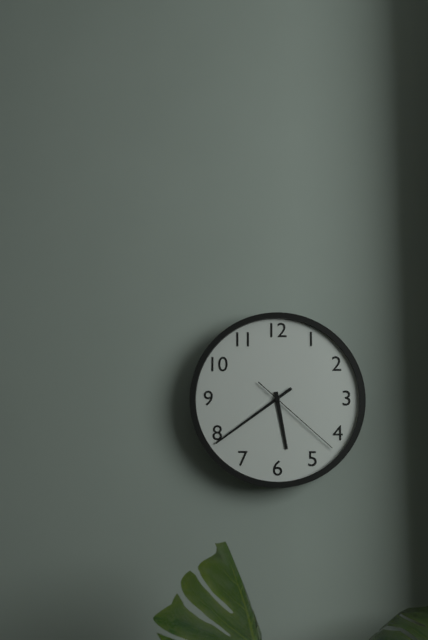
5 h 39 min 22 s
